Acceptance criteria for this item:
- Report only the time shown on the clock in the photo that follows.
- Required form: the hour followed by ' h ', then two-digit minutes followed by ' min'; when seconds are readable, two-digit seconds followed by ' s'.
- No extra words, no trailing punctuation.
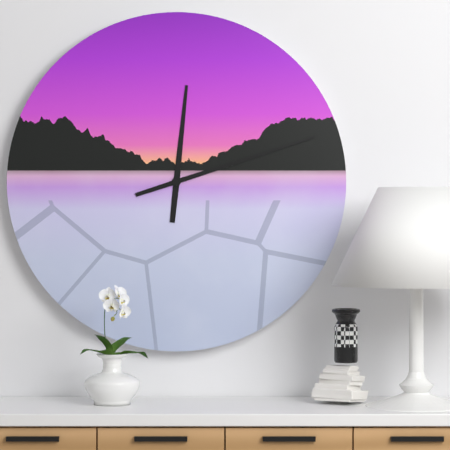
12 h 12 min
